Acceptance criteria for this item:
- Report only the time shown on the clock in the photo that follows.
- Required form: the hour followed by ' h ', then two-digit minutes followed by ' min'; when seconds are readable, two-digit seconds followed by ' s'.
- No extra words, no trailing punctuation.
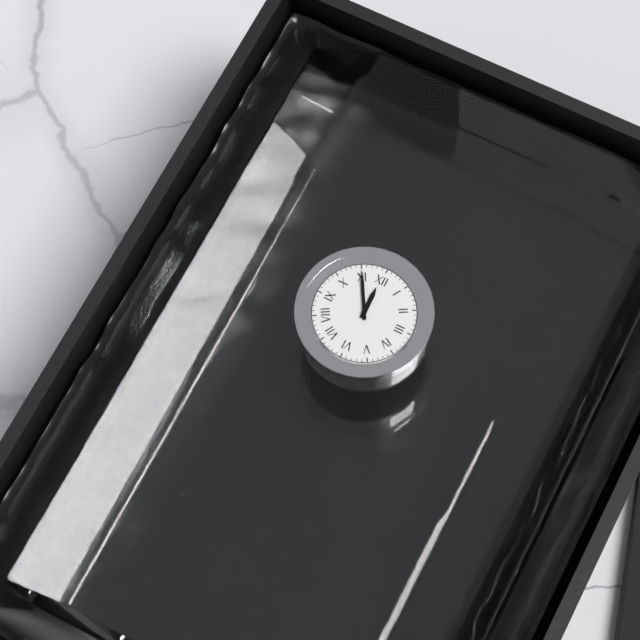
11 h 55 min
